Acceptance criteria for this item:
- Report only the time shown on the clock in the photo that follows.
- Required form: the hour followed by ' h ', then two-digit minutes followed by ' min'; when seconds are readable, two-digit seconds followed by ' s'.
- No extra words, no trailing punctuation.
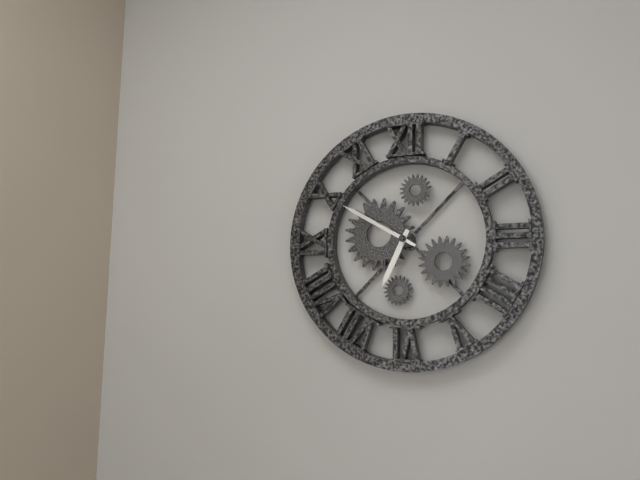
6 h 50 min
